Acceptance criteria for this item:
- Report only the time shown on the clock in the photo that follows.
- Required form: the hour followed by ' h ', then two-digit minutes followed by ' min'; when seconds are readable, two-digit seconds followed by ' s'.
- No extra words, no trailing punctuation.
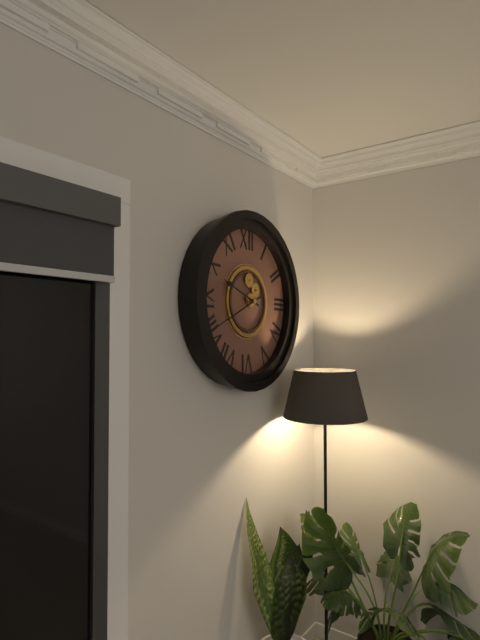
9 h 41 min
